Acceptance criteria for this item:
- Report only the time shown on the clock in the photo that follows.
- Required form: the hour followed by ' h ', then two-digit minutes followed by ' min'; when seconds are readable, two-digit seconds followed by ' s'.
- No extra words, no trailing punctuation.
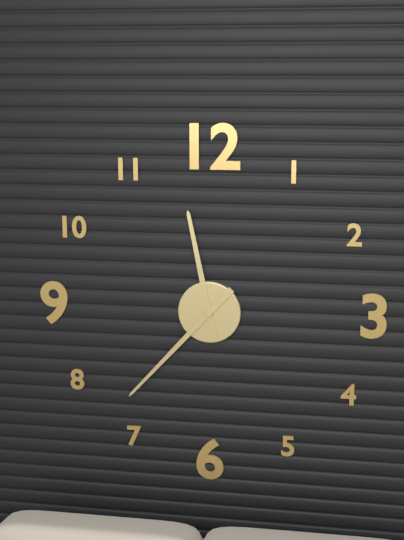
11 h 37 min
